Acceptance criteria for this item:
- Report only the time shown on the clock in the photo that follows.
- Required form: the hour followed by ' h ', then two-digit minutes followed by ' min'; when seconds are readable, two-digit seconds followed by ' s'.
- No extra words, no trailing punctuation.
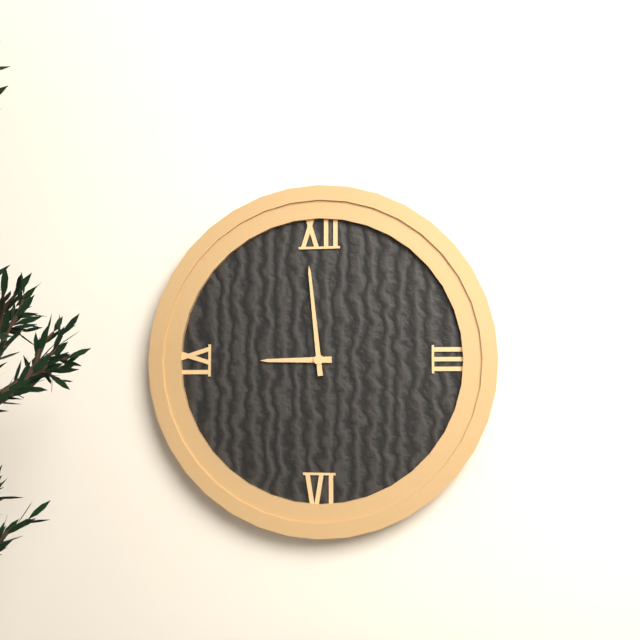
8 h 59 min
